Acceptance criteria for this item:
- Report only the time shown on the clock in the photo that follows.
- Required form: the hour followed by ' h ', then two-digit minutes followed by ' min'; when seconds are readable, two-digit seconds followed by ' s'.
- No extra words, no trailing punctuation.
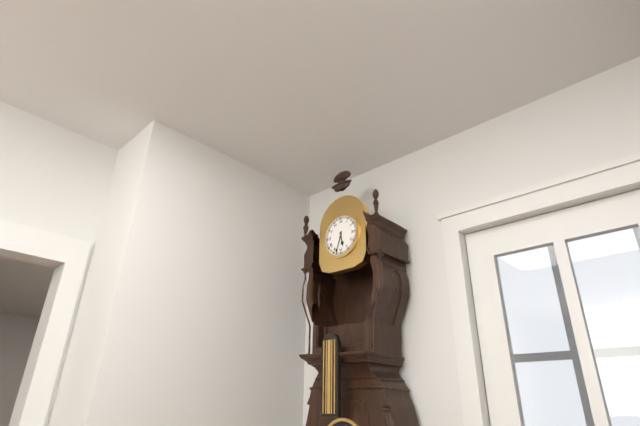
5 h 33 min
